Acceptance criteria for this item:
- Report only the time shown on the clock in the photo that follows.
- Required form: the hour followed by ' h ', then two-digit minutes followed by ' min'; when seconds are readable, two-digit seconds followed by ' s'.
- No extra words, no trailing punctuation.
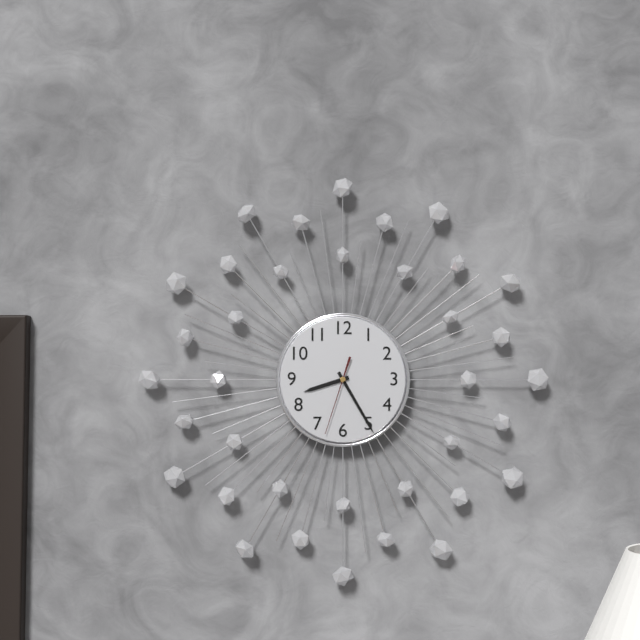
8 h 25 min 33 s
